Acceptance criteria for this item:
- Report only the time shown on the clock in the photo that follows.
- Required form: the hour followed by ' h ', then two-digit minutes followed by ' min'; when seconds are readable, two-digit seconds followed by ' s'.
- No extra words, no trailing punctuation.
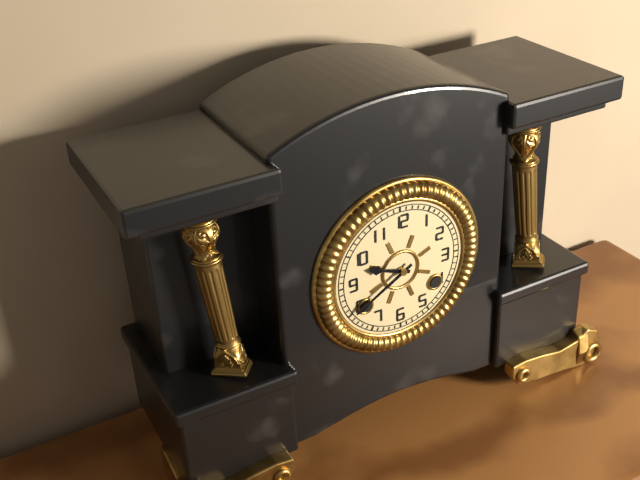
9 h 40 min
